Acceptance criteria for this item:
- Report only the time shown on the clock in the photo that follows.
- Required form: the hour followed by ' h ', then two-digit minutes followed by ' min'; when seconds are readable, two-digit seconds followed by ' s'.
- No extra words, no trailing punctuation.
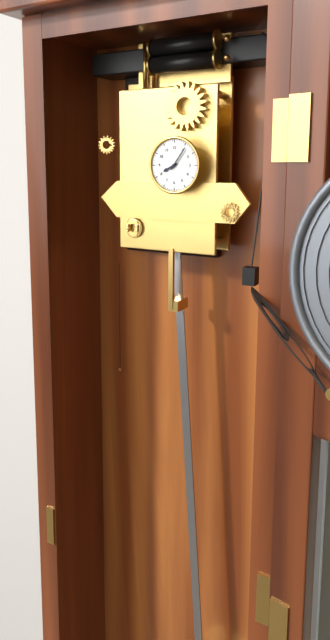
8 h 06 min
